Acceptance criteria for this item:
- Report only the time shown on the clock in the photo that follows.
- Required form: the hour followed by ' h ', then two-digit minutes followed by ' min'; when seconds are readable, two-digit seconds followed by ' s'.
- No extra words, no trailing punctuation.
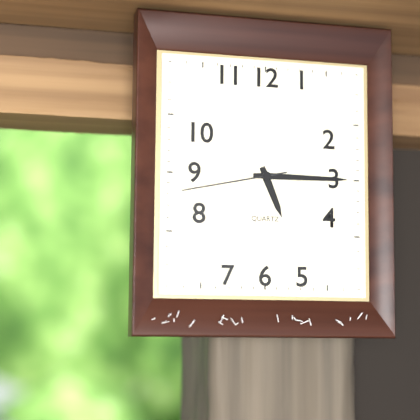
5 h 15 min 43 s
